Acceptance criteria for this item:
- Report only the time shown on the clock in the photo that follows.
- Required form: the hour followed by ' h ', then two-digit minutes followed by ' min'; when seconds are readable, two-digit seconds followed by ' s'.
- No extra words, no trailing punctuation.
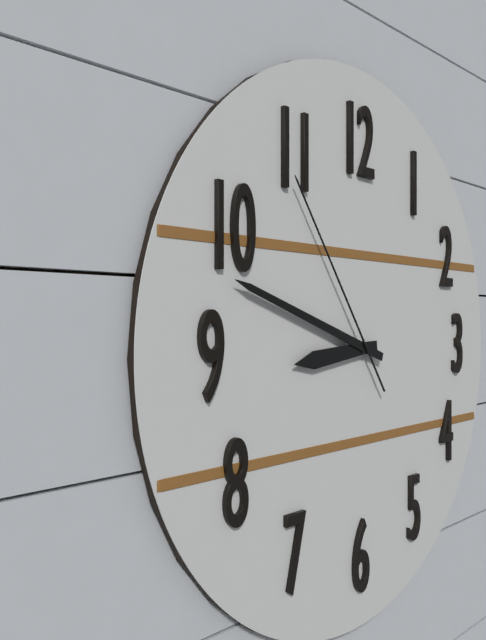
8 h 48 min 54 s
